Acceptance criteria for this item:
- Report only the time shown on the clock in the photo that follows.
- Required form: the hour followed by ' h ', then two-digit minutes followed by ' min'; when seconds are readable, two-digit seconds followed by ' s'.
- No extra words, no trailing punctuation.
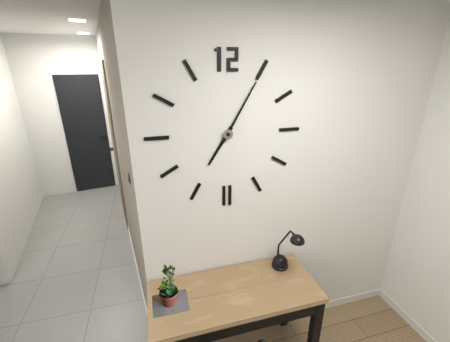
7 h 05 min
